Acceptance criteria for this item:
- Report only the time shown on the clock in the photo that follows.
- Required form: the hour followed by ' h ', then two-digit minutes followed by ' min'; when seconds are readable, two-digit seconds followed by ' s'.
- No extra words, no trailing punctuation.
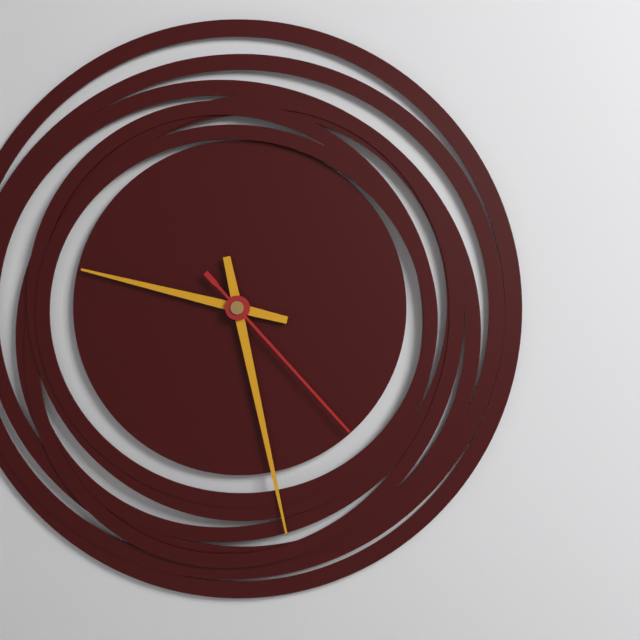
9 h 28 min 23 s
